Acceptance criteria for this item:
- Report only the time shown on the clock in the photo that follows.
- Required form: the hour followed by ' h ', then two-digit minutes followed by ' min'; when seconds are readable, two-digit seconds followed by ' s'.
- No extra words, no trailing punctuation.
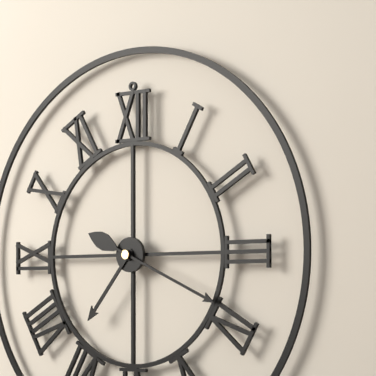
7 h 19 min
